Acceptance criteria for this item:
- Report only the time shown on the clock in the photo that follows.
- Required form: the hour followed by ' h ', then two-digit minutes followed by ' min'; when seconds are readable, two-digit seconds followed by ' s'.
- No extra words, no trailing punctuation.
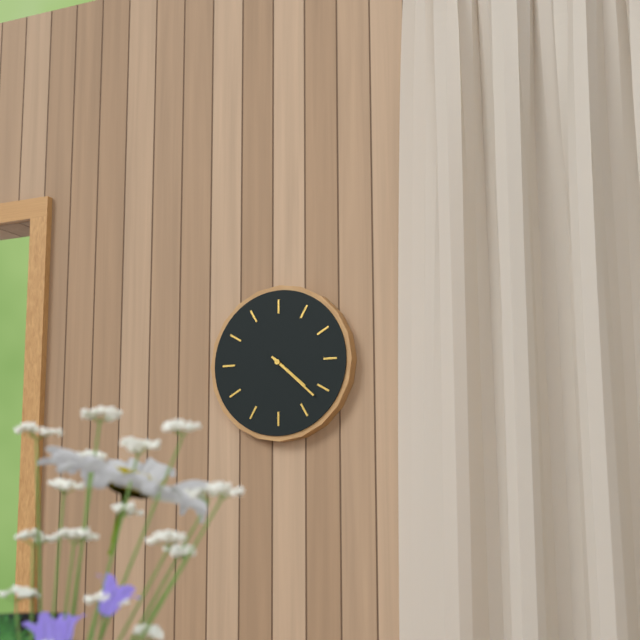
4 h 22 min
